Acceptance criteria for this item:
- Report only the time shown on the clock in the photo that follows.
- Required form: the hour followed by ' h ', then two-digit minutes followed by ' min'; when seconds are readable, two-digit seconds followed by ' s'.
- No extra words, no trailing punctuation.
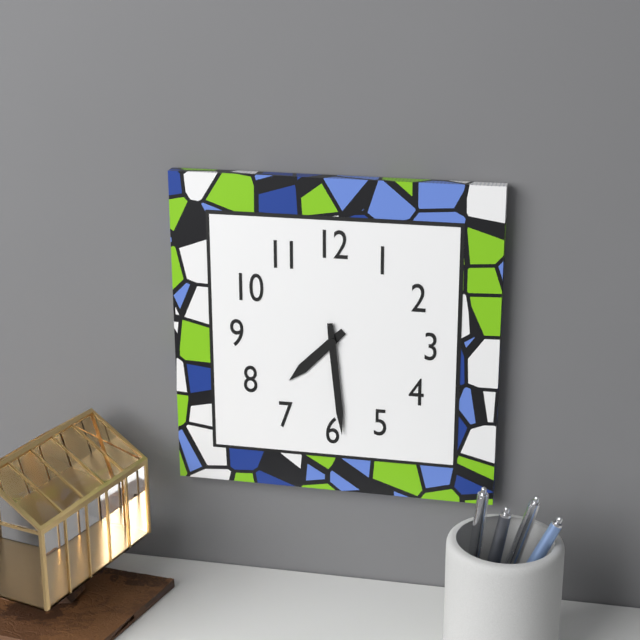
7 h 29 min
